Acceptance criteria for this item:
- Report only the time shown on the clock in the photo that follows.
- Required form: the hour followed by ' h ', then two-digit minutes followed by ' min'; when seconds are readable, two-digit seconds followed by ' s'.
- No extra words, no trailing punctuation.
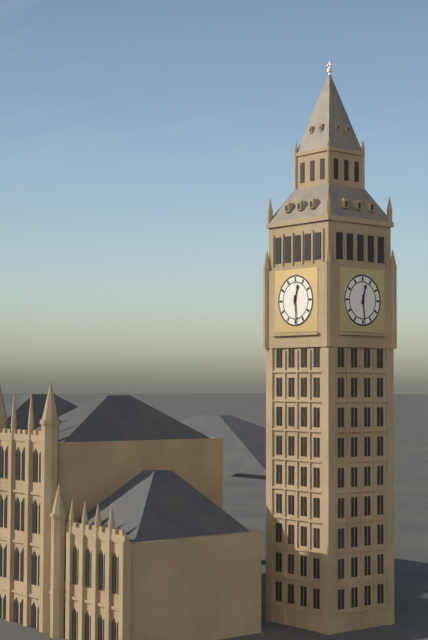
12 h 29 min
